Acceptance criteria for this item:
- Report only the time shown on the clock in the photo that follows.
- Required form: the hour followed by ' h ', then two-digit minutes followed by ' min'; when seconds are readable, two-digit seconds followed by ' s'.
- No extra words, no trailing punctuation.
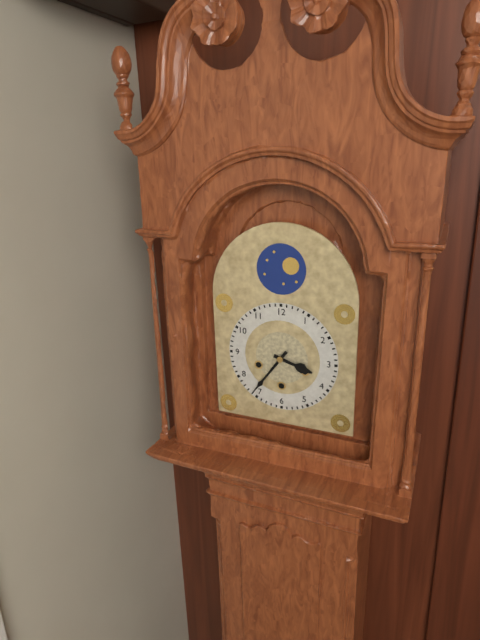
3 h 36 min
